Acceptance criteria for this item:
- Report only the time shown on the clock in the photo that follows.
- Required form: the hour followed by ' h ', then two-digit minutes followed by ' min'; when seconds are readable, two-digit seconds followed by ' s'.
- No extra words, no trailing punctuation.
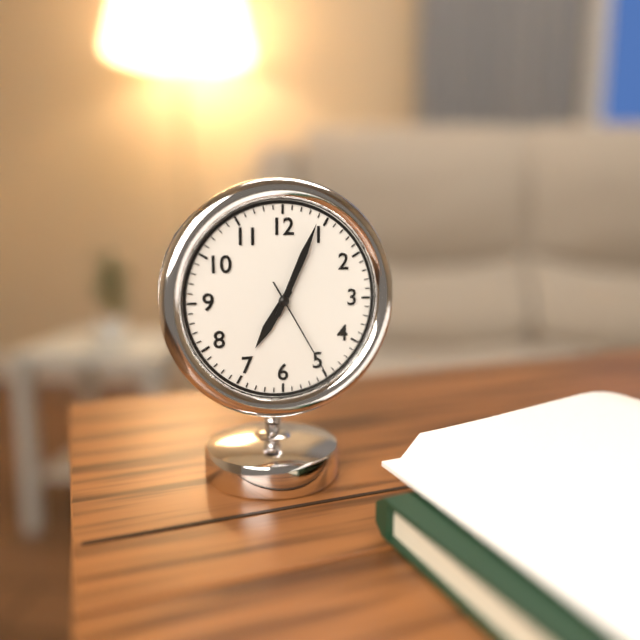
7 h 04 min 25 s
